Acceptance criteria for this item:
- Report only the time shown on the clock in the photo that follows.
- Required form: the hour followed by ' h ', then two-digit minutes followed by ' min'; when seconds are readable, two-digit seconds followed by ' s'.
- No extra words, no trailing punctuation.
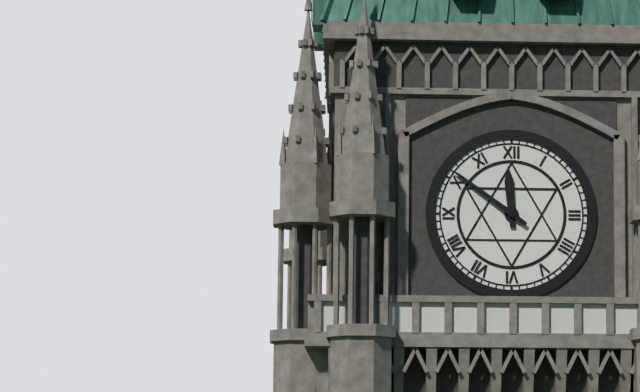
11 h 51 min
